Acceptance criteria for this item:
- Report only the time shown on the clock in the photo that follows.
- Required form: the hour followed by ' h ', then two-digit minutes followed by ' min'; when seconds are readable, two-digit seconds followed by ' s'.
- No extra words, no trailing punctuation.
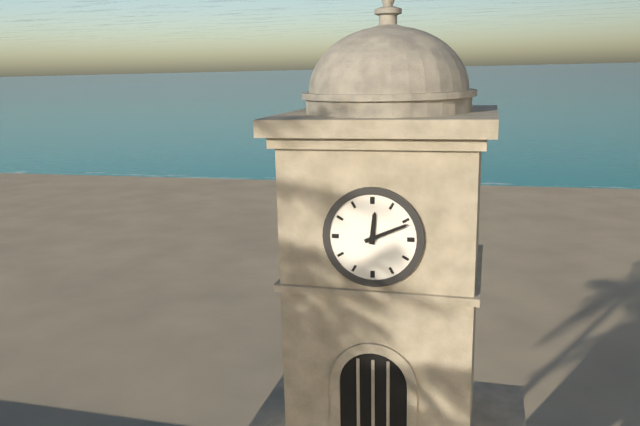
12 h 11 min
